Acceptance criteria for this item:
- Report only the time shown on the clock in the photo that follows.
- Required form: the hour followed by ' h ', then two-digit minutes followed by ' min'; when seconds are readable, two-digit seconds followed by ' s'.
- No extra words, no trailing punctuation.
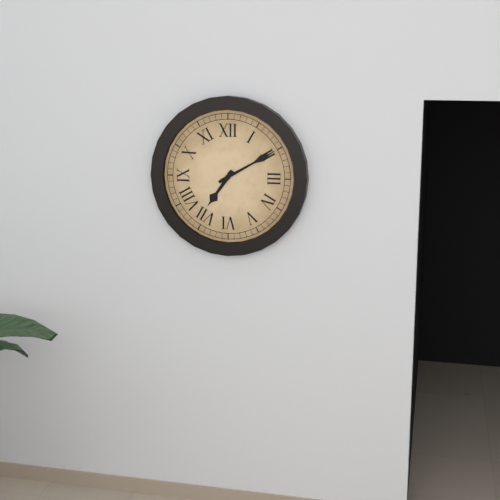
7 h 10 min
